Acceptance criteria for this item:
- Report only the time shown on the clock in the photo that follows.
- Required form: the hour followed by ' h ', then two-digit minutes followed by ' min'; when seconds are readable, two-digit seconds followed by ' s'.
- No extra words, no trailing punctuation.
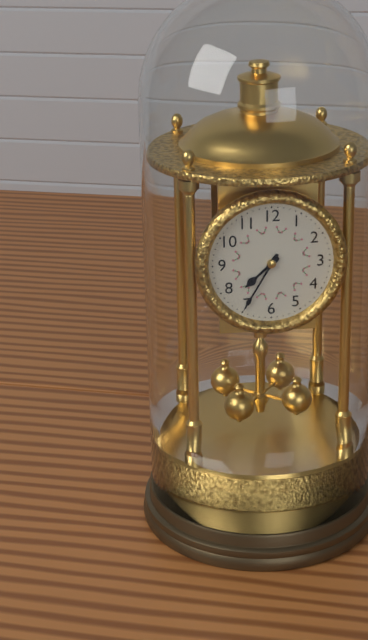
7 h 35 min
